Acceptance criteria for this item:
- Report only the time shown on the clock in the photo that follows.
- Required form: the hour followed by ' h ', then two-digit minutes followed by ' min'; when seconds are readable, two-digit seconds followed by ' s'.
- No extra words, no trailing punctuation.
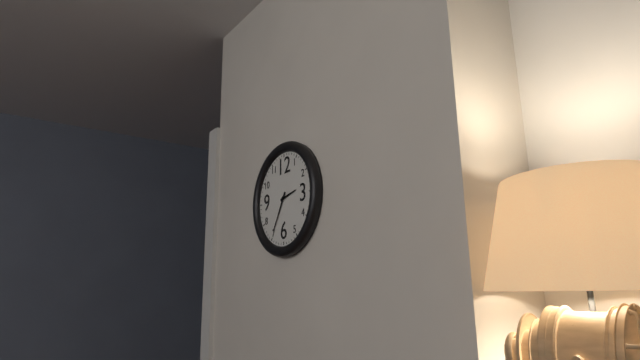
2 h 35 min
